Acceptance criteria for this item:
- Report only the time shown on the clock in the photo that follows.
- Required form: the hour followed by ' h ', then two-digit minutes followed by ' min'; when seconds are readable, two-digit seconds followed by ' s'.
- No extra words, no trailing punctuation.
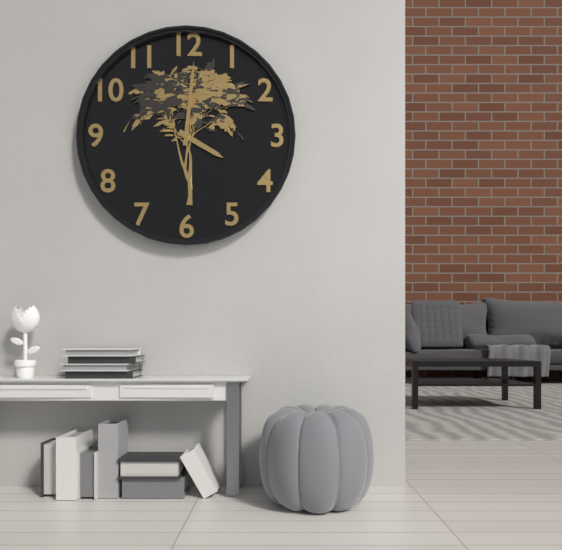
4 h 01 min
